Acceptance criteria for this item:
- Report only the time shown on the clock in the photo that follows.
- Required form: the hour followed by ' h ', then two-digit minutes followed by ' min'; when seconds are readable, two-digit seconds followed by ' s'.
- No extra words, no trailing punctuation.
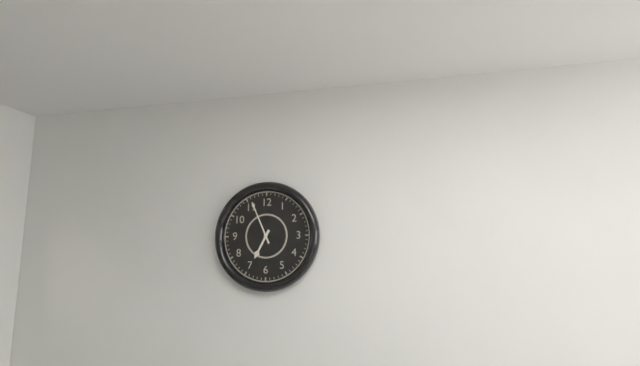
6 h 56 min
